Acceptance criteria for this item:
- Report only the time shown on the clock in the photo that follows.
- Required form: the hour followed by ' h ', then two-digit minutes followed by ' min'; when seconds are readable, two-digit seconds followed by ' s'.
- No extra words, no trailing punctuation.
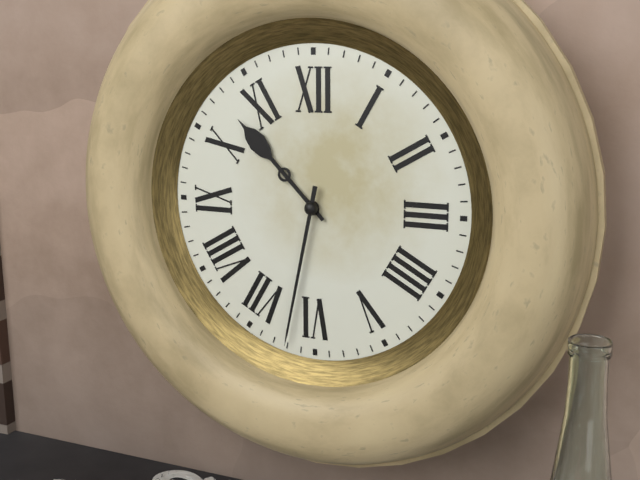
10 h 32 min
